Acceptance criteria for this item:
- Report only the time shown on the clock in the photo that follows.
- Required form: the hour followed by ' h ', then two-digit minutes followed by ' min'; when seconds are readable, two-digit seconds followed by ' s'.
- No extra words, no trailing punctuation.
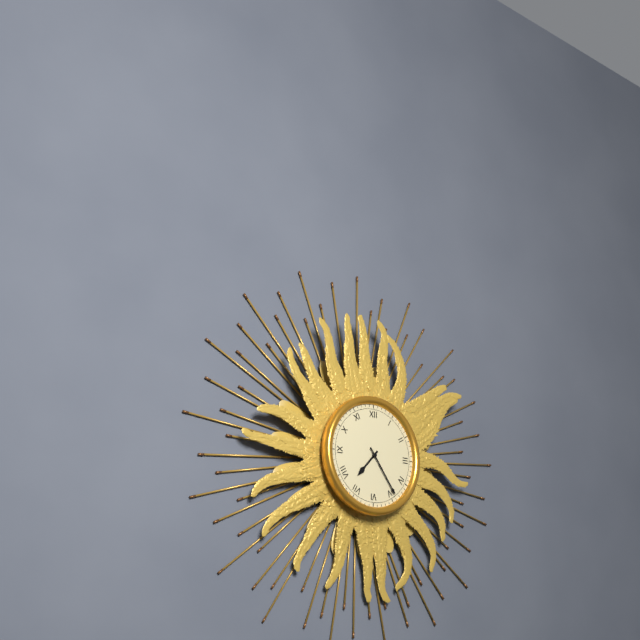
7 h 24 min
